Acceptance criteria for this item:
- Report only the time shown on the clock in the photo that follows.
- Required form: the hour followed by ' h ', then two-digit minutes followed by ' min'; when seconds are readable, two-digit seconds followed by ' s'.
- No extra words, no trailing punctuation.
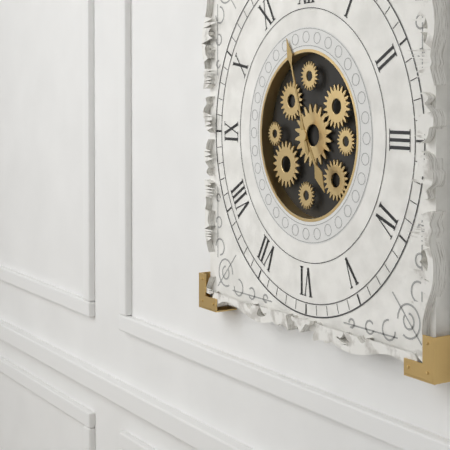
4 h 57 min
